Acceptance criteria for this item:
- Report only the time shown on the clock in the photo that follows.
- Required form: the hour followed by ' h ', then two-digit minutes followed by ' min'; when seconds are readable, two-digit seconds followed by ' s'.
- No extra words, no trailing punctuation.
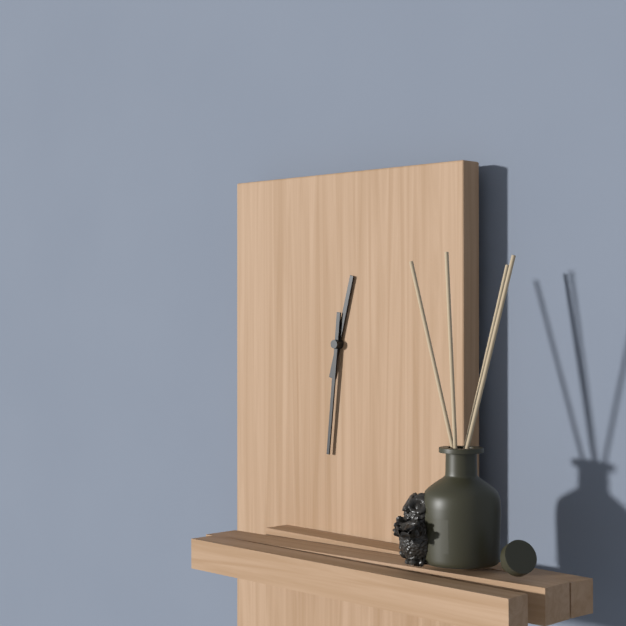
12 h 31 min
